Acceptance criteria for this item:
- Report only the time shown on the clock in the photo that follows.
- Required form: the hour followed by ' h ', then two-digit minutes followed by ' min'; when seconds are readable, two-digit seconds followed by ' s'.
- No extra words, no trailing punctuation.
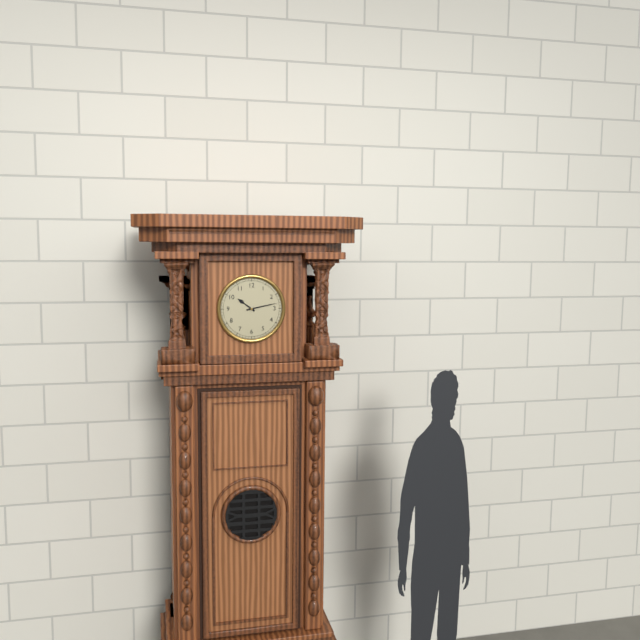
10 h 13 min
